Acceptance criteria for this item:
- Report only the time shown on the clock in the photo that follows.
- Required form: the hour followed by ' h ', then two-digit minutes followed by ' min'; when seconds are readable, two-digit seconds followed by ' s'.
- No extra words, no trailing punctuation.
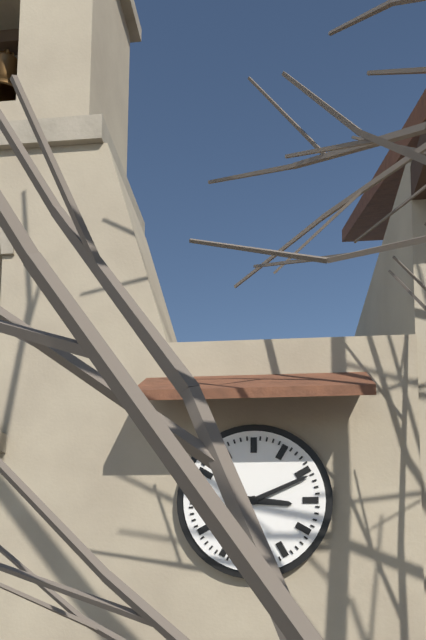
3 h 11 min
